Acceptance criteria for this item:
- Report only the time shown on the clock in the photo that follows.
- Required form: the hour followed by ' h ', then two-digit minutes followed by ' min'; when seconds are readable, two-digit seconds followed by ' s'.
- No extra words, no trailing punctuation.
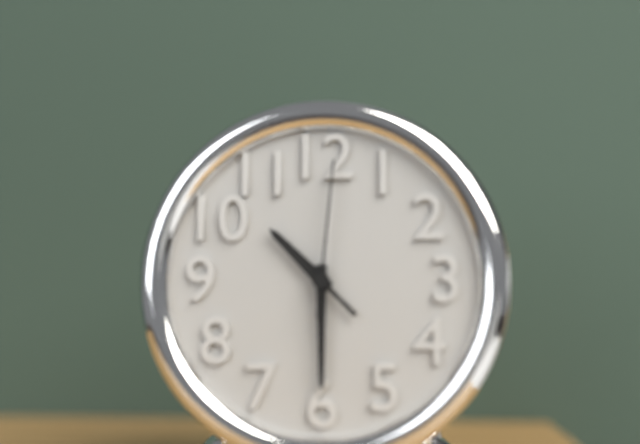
10 h 30 min 01 s
